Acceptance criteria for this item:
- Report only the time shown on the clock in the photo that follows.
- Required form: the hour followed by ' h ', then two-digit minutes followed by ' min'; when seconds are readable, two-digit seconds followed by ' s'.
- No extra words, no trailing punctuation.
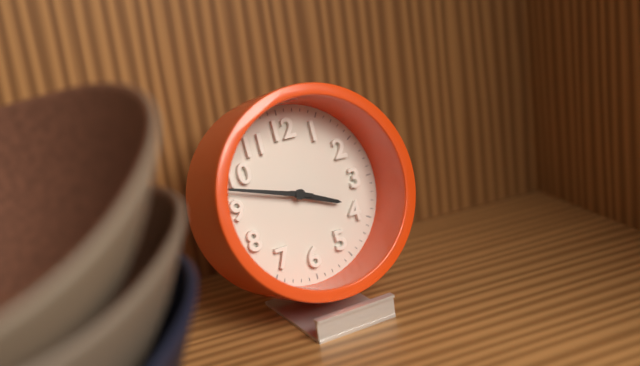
3 h 48 min
